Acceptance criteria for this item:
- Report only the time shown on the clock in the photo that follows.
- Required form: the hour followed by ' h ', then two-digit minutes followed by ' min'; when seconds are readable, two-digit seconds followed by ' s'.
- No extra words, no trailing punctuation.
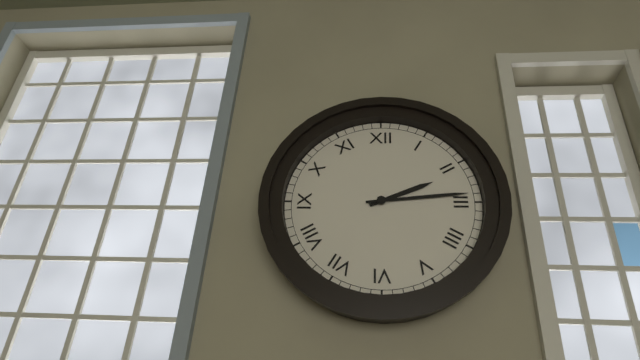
2 h 14 min
